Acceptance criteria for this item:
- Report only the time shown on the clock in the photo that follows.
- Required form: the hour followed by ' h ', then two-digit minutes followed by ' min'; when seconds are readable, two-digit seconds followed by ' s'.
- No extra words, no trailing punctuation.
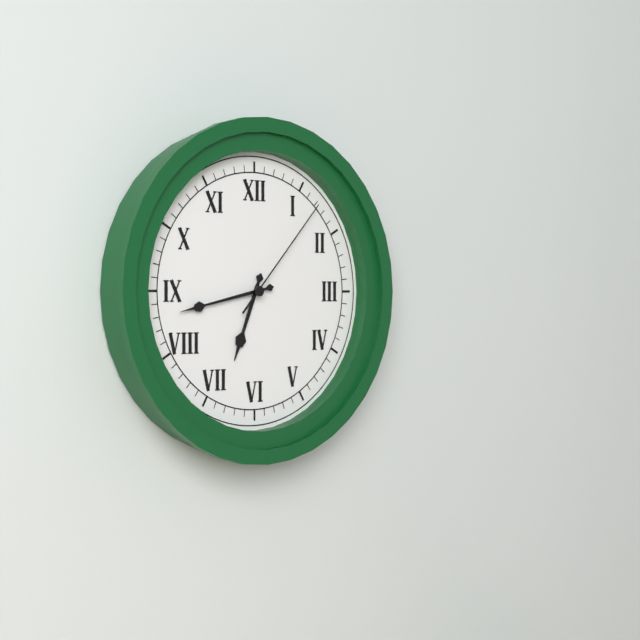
6 h 43 min 07 s
